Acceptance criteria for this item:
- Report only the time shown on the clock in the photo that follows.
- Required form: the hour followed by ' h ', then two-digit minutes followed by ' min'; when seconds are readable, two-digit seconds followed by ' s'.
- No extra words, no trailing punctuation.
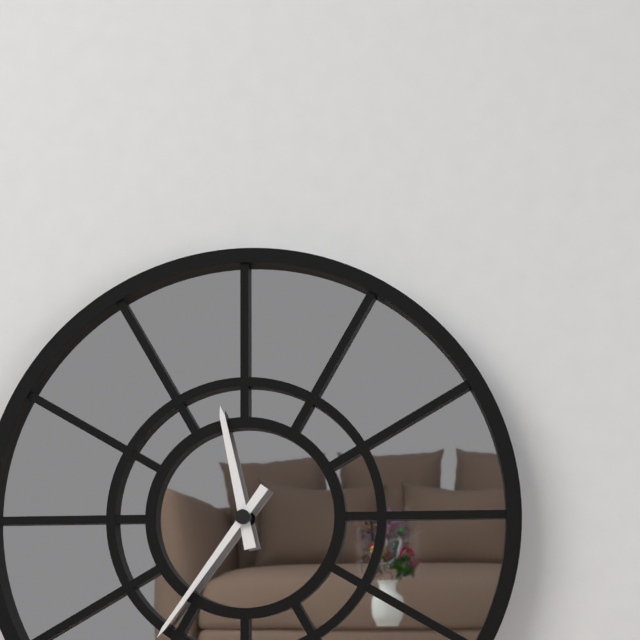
11 h 36 min
